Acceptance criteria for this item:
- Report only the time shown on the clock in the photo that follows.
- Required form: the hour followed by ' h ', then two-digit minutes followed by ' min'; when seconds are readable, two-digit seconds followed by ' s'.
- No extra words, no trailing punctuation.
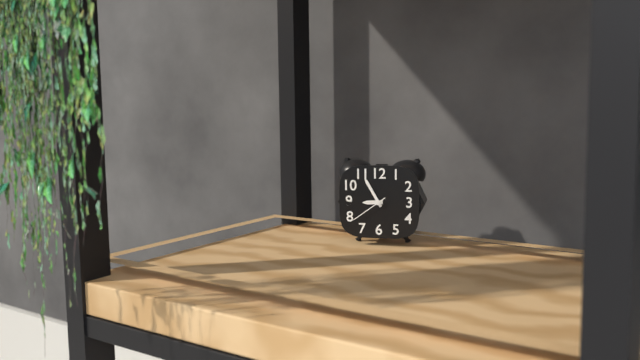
8 h 55 min
